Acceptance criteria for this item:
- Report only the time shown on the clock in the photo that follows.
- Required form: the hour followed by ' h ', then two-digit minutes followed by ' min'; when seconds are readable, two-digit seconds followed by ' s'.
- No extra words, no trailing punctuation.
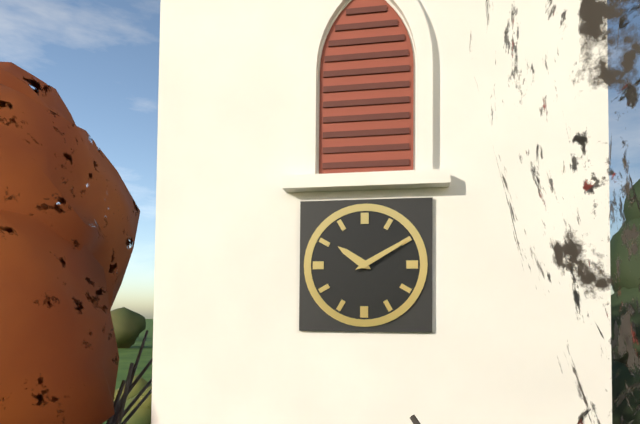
10 h 10 min
